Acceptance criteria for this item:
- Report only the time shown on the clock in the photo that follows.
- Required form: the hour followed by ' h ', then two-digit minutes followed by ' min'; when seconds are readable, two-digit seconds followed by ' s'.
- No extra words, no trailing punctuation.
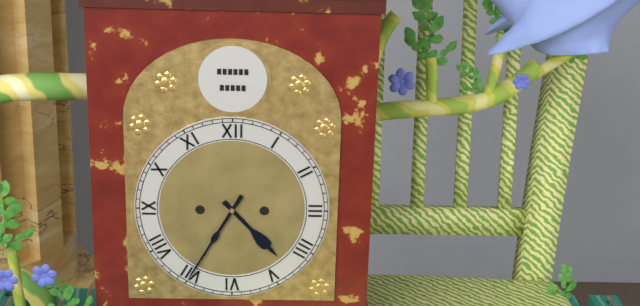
4 h 35 min
